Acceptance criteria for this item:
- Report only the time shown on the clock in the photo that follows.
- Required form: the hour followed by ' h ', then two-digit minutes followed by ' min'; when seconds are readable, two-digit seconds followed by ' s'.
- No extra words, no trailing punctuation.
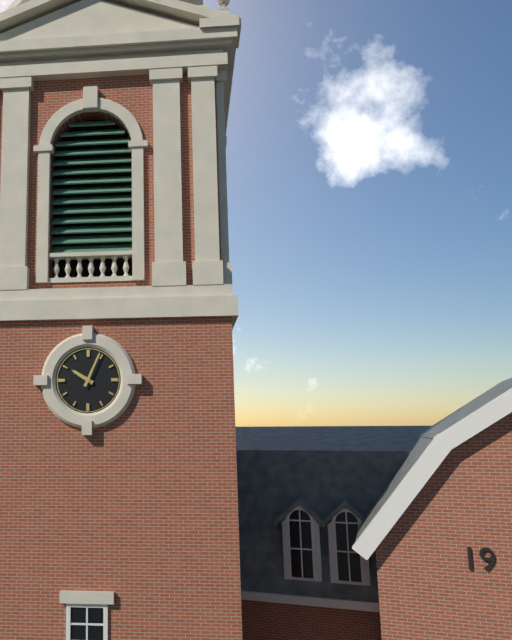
10 h 04 min
